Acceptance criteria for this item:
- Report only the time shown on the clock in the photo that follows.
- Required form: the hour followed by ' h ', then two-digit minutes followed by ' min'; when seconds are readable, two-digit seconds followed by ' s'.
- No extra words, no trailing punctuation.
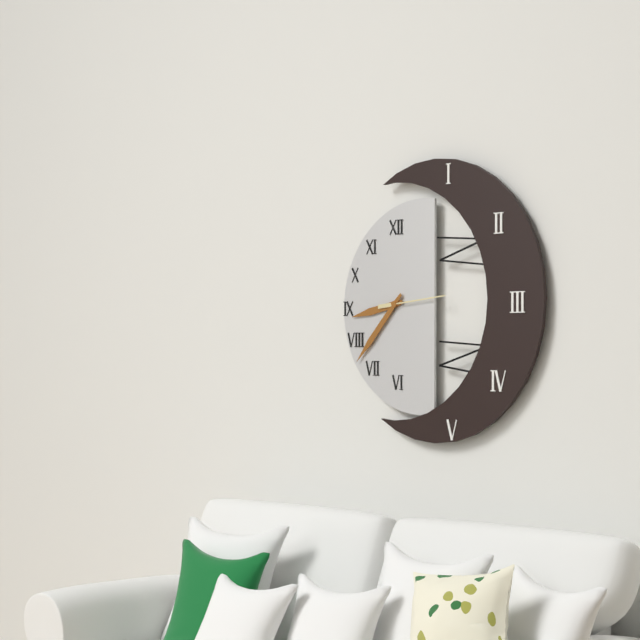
8 h 37 min 14 s
